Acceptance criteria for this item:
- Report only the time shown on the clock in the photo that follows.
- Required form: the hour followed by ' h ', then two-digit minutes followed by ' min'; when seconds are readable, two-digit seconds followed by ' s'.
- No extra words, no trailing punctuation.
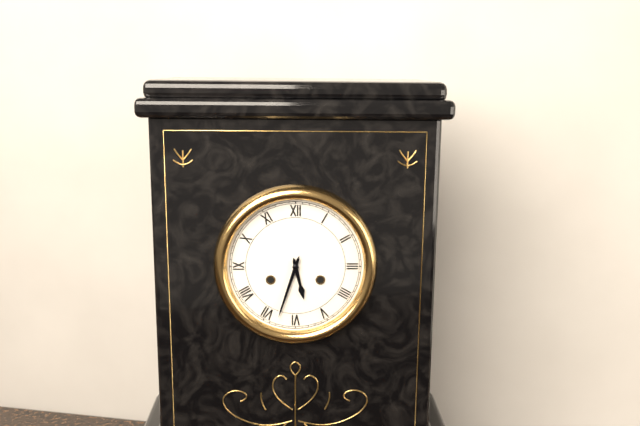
5 h 33 min
